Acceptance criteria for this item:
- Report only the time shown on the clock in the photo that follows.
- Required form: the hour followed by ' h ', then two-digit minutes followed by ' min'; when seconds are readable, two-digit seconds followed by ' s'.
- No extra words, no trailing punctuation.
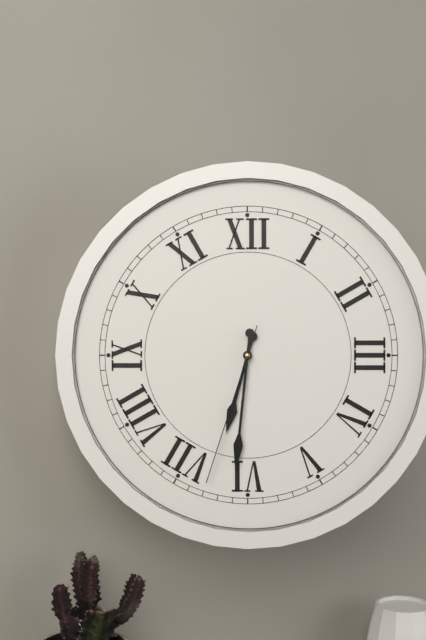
6 h 31 min 33 s
